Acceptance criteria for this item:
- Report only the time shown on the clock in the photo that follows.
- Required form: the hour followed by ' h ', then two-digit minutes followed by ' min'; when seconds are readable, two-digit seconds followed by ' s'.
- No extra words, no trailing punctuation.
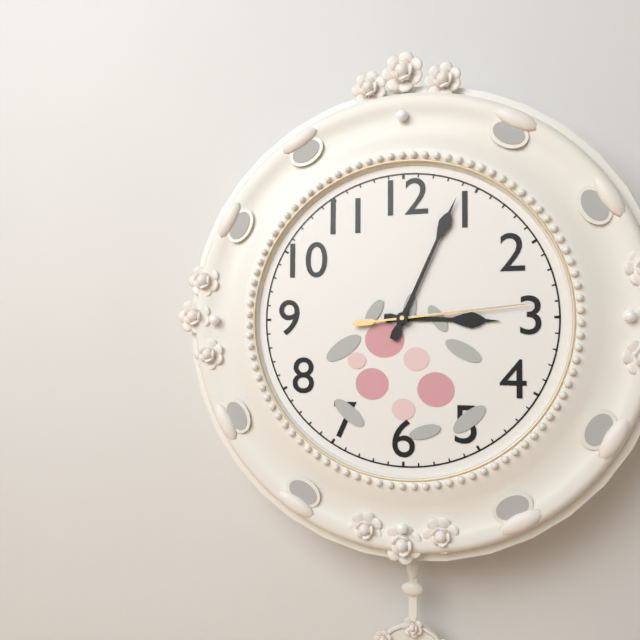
3 h 04 min 14 s
